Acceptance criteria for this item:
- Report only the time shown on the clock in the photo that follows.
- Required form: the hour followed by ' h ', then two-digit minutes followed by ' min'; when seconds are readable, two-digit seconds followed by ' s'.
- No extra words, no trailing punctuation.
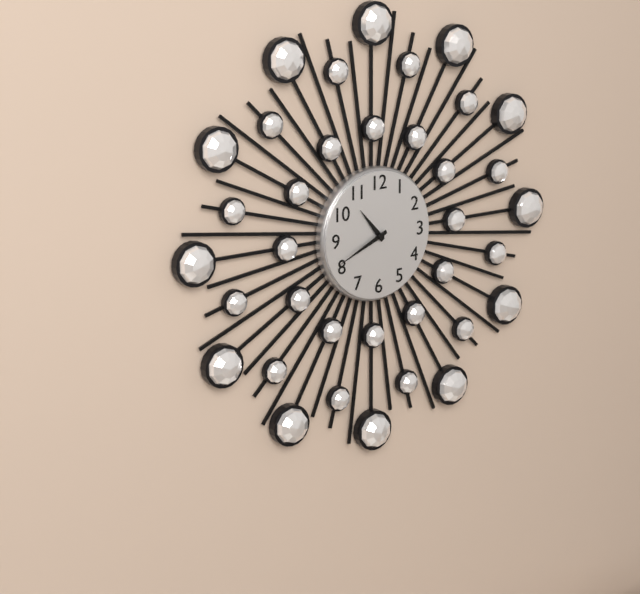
10 h 41 min
